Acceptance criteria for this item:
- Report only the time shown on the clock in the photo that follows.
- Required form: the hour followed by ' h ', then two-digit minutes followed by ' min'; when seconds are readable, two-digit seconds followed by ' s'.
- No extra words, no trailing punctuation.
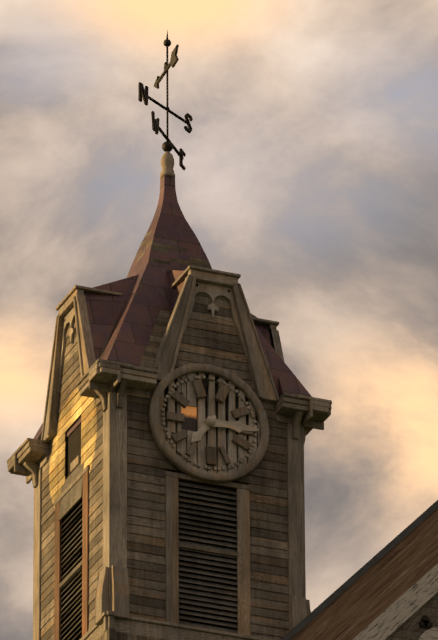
7 h 15 min
